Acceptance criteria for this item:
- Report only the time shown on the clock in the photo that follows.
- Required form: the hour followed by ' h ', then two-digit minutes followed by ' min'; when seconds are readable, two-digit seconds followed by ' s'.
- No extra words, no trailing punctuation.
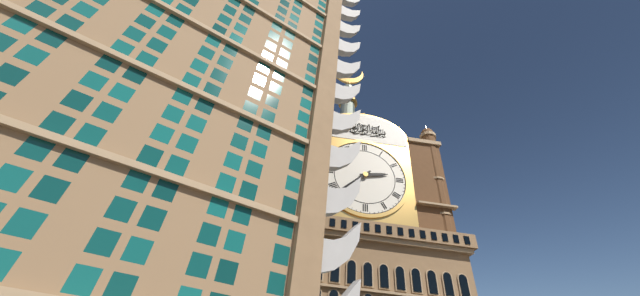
2 h 38 min
